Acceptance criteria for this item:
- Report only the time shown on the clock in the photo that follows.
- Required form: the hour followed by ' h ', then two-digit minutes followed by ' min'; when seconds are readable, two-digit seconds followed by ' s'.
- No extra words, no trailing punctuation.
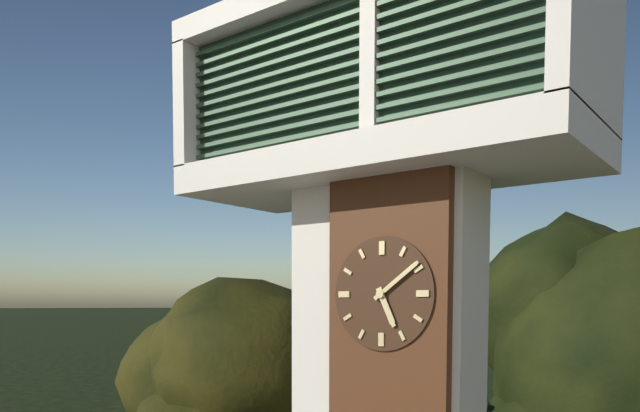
5 h 09 min
